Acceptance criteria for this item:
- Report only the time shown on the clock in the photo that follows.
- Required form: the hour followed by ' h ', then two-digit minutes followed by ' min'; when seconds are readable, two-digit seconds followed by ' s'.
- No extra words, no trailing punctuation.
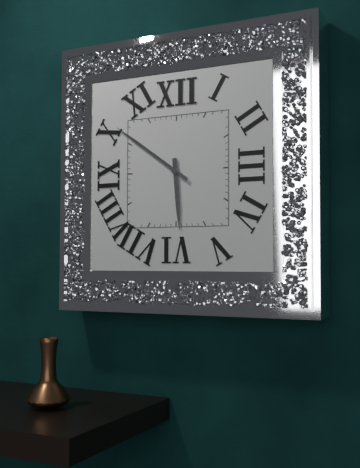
5 h 51 min
